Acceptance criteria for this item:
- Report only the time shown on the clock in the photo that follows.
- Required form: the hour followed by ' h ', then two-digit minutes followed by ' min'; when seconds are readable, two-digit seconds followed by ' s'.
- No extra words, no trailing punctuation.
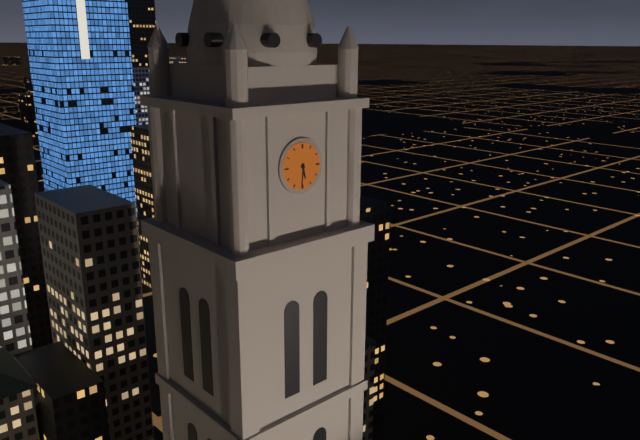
5 h 31 min
